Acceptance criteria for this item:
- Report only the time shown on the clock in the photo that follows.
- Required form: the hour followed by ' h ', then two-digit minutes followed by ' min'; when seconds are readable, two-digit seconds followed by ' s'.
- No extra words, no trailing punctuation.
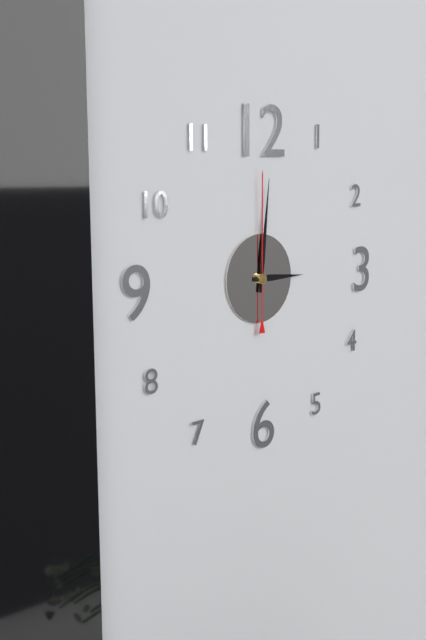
3 h 01 min 00 s
